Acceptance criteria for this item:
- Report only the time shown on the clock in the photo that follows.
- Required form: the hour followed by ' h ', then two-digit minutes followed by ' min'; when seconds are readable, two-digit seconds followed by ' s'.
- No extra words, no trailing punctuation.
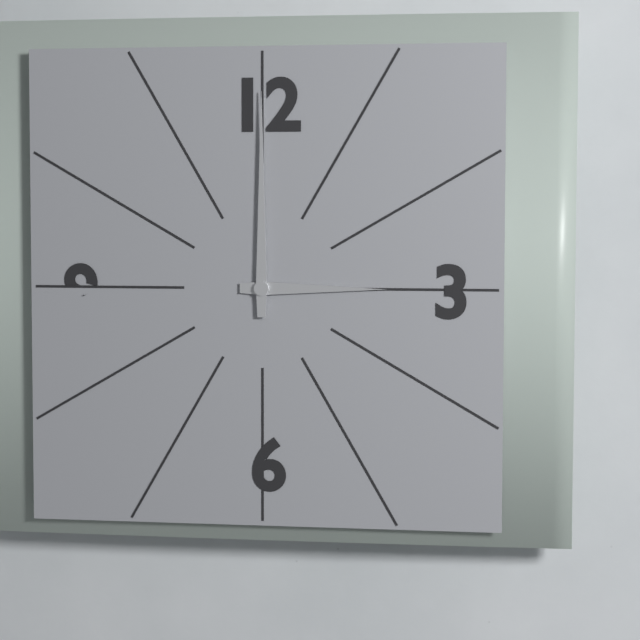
3 h 00 min
